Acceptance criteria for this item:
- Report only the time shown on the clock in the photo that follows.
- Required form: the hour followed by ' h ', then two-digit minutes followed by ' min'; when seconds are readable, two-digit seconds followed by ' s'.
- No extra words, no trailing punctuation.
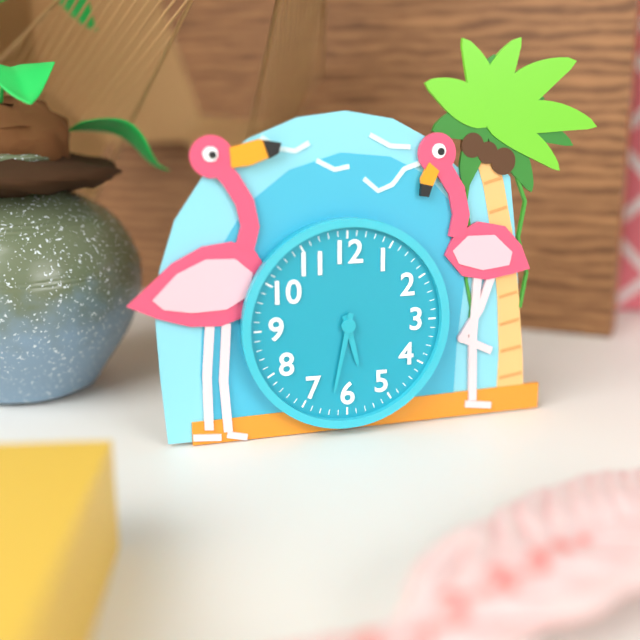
5 h 32 min
